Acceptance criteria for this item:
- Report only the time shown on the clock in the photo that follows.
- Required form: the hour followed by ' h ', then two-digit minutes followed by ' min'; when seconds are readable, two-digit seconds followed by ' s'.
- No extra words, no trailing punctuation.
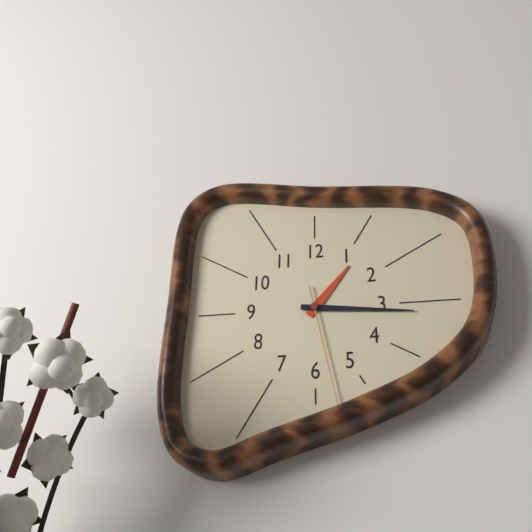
1 h 16 min 28 s
